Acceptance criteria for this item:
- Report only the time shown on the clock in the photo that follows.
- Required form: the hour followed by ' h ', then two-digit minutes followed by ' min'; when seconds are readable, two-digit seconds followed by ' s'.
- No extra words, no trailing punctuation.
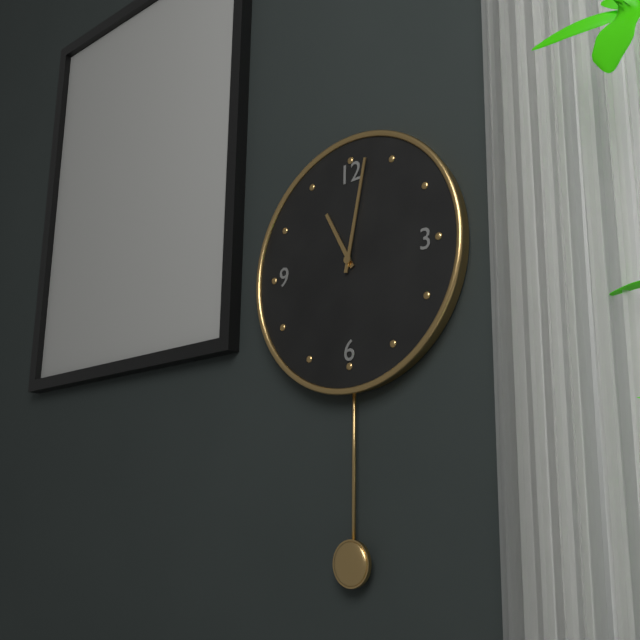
11 h 02 min
